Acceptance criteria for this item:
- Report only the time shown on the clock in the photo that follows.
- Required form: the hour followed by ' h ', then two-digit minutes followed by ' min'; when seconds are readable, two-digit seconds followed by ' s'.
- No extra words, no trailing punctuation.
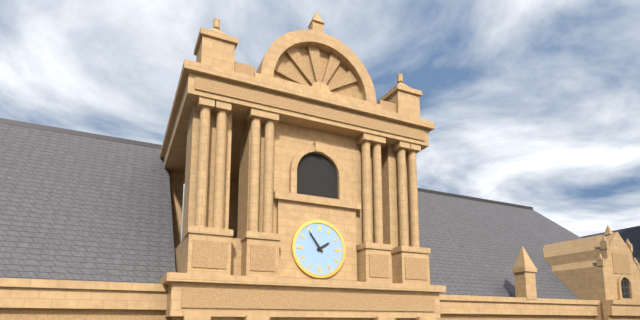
1 h 54 min
